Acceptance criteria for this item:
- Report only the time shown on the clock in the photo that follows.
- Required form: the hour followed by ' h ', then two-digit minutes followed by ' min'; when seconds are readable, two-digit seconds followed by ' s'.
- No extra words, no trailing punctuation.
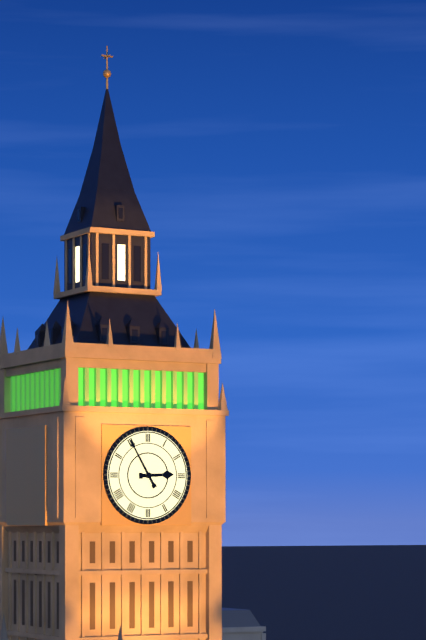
2 h 55 min
